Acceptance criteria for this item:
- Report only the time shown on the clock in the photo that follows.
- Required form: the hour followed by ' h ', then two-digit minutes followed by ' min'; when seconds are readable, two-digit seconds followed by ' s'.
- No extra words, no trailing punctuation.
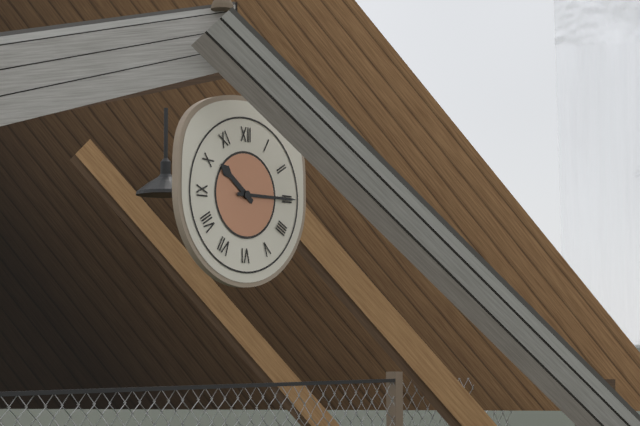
10 h 15 min
